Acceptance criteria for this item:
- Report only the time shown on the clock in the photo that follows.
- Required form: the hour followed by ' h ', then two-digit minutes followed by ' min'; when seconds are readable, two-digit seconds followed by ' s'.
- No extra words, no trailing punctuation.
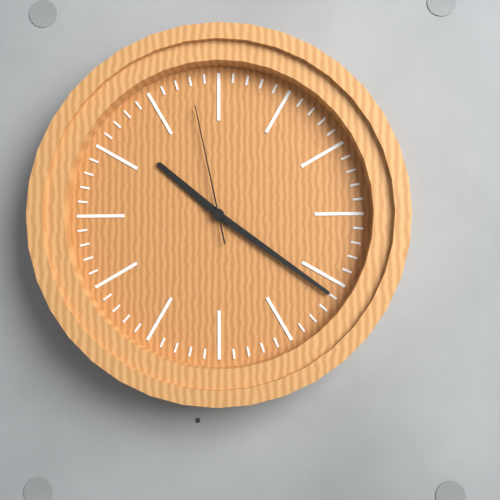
10 h 21 min 58 s
